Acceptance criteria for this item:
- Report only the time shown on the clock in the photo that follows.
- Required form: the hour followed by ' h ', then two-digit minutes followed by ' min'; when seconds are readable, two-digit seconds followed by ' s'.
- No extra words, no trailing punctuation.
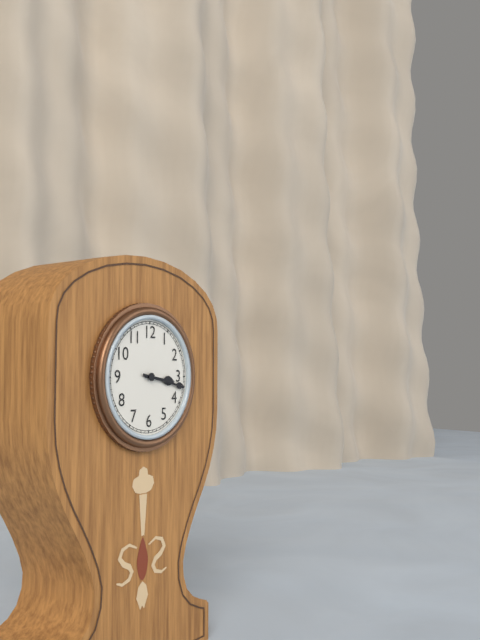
3 h 17 min
